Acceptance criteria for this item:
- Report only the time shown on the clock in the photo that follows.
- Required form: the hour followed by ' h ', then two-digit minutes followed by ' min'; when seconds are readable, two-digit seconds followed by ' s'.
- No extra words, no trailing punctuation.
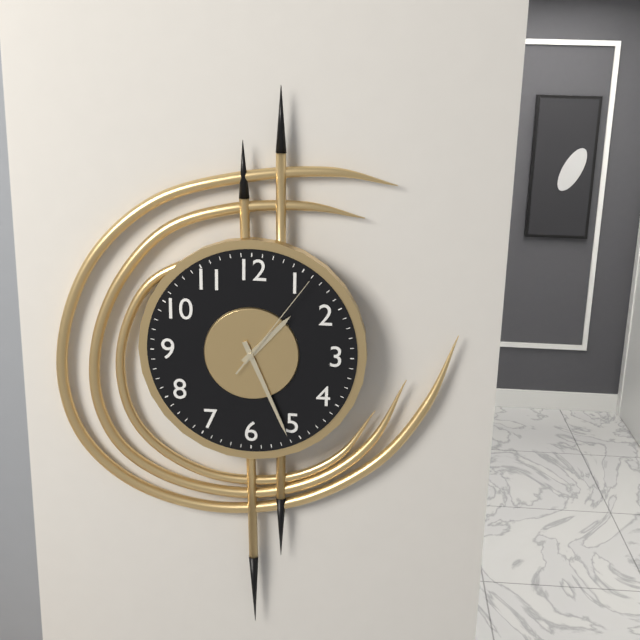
1 h 26 min 06 s
